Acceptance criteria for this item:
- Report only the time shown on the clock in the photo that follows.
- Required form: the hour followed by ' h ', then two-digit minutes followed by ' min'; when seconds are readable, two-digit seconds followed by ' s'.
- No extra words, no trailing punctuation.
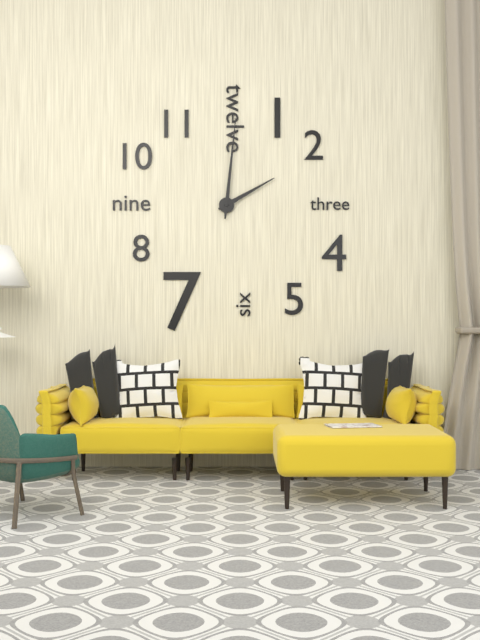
2 h 01 min
